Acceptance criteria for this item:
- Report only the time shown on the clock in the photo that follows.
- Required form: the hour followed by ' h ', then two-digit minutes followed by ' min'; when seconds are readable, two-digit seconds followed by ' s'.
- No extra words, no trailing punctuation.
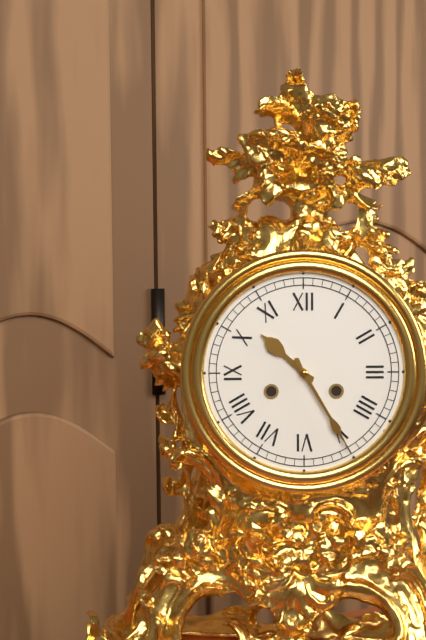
10 h 25 min
